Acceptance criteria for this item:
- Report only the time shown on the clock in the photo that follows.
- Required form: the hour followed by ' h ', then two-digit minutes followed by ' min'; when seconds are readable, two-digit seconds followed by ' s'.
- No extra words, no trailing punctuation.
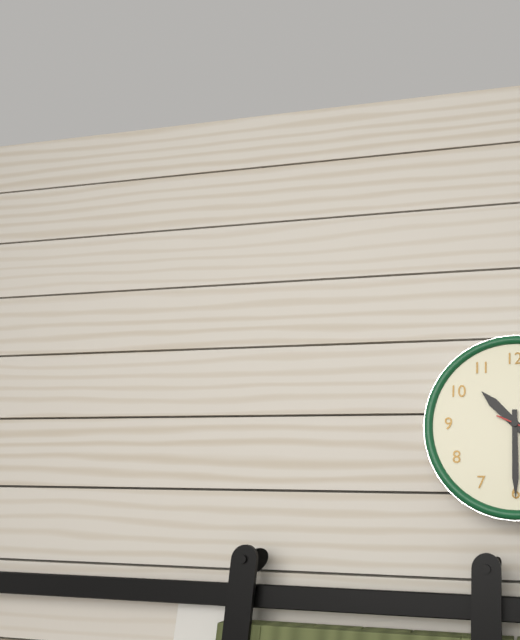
10 h 30 min
